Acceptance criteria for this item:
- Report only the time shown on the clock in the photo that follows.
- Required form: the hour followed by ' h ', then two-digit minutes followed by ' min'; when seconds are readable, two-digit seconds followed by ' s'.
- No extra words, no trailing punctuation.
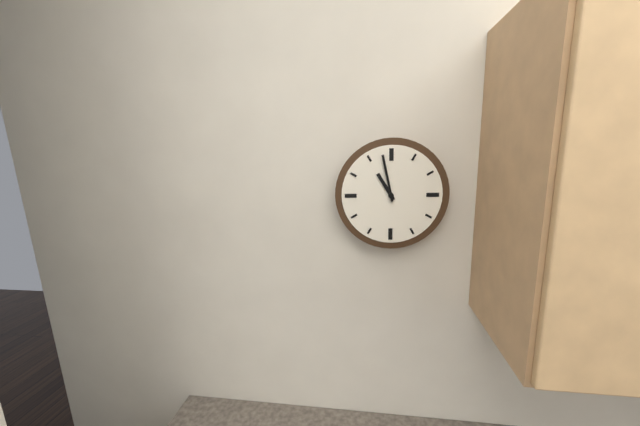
10 h 58 min
